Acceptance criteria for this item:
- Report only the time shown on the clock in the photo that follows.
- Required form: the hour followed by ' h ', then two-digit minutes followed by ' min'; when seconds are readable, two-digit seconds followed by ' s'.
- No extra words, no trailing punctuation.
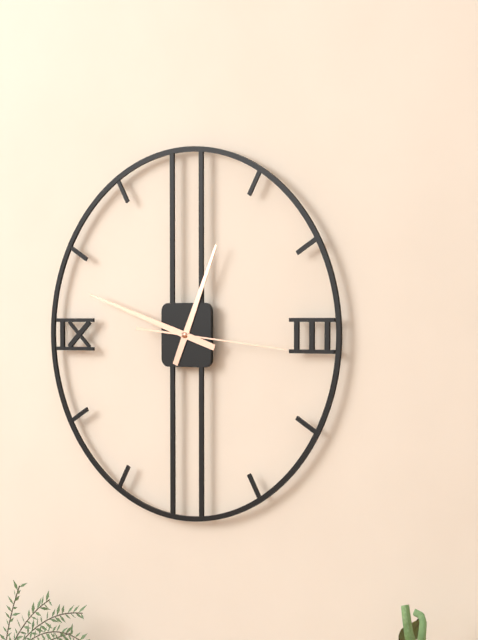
12 h 48 min 16 s
